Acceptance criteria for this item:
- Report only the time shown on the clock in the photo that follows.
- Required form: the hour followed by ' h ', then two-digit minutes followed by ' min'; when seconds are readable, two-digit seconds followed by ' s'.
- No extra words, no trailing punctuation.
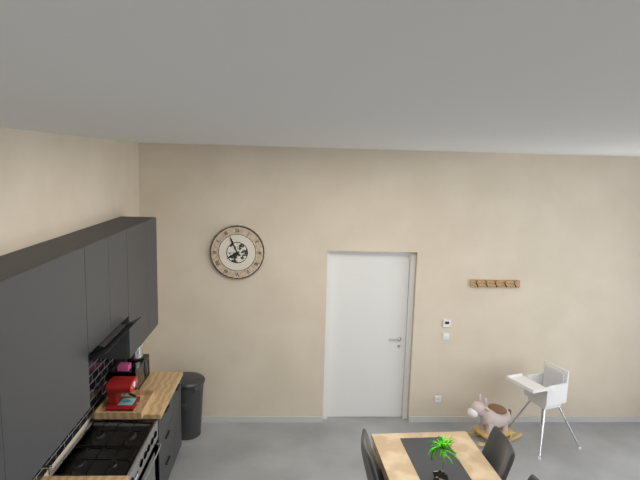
7 h 56 min
